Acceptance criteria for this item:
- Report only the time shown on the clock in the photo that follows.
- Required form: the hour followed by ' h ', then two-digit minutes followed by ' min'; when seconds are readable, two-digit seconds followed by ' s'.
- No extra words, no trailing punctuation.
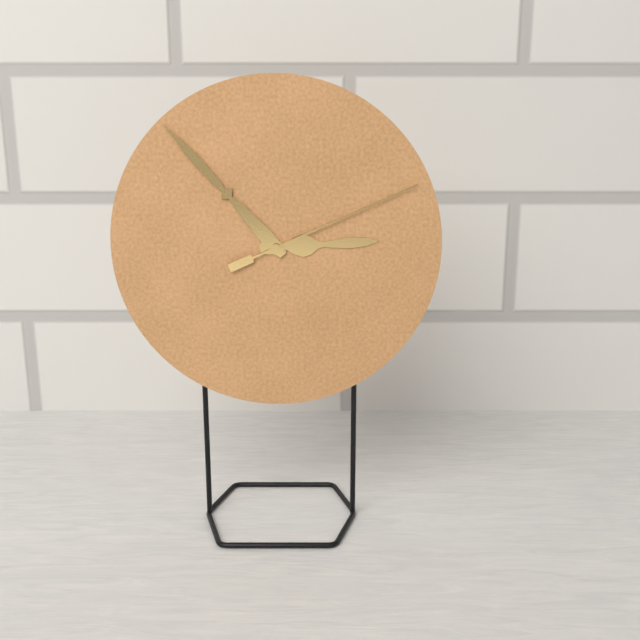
2 h 53 min 11 s
